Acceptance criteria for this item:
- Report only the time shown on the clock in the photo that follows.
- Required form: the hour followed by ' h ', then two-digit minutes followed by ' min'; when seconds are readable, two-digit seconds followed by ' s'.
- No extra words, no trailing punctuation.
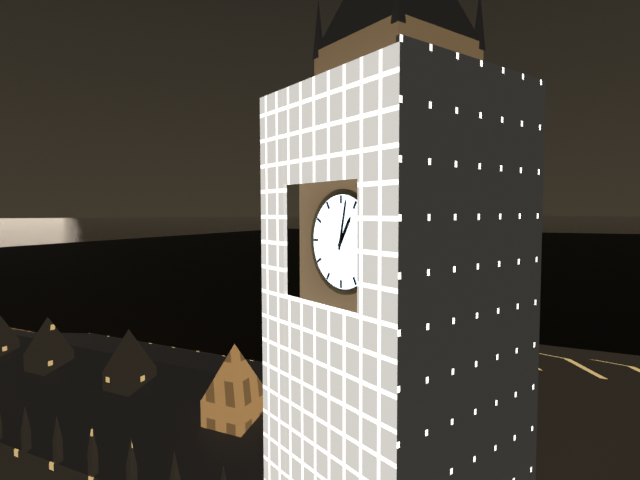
1 h 02 min
